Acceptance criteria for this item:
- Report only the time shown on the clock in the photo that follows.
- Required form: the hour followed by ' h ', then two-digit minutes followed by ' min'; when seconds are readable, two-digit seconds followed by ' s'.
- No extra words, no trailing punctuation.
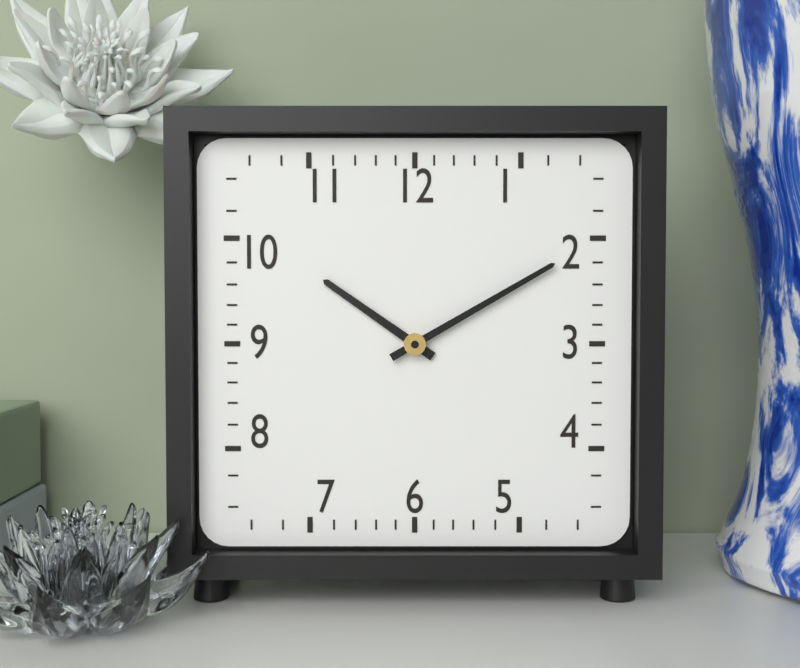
10 h 10 min
